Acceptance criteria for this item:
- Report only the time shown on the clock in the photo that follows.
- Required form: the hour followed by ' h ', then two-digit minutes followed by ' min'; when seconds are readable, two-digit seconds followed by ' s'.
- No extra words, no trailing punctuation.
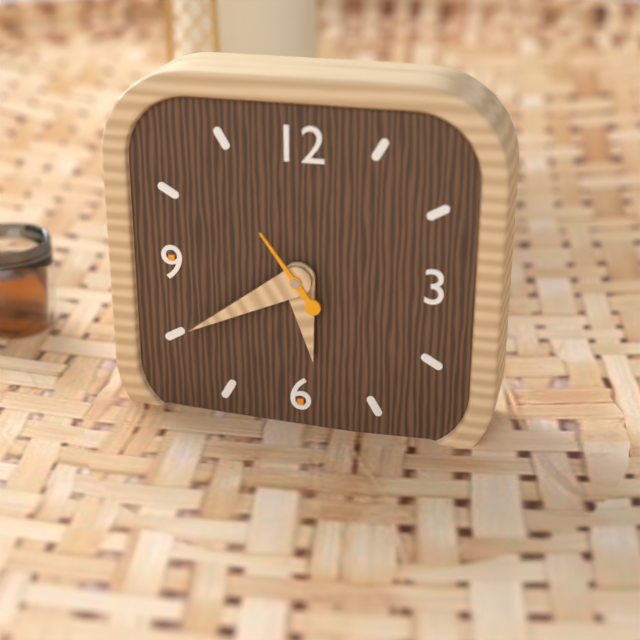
5 h 40 min 54 s
